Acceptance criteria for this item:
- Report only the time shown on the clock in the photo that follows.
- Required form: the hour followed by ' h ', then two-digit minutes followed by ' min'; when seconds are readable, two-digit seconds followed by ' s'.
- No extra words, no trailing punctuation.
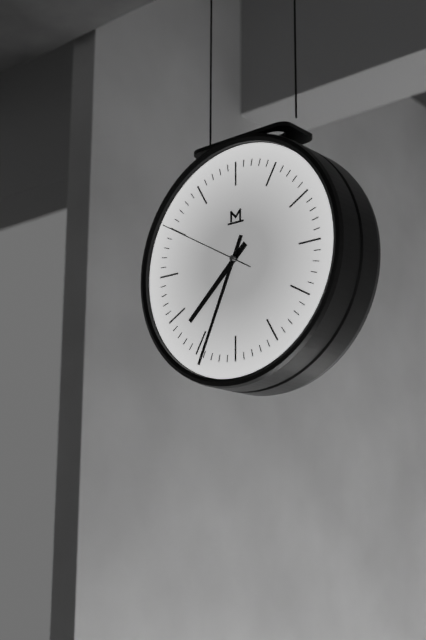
7 h 34 min 50 s
